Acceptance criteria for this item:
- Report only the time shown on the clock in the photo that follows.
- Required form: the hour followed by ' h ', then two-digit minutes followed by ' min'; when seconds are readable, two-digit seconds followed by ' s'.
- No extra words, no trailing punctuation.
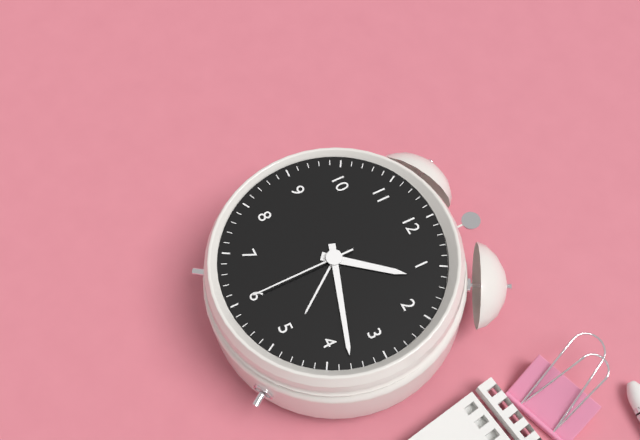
1 h 18 min 30 s
